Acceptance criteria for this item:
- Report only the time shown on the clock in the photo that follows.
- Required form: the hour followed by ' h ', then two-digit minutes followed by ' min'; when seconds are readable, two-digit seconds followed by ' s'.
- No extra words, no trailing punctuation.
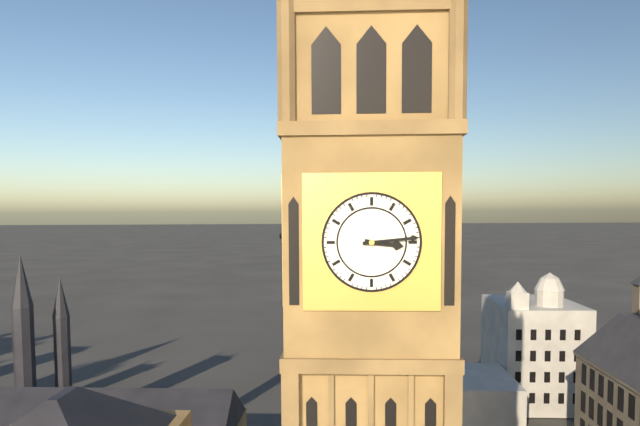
3 h 14 min
